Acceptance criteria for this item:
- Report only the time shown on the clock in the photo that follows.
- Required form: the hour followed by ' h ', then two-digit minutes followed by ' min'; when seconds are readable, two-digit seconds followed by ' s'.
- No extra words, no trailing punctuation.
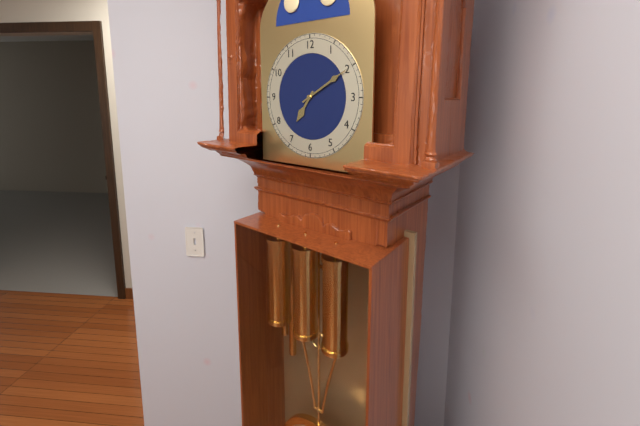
7 h 10 min
